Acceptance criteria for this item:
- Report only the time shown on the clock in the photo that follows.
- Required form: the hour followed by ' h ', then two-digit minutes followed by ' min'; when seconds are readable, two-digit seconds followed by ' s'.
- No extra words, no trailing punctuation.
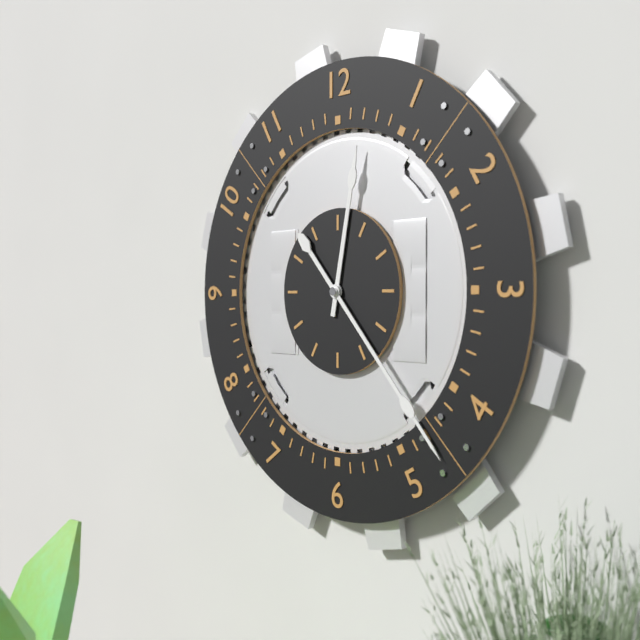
12 h 23 min
